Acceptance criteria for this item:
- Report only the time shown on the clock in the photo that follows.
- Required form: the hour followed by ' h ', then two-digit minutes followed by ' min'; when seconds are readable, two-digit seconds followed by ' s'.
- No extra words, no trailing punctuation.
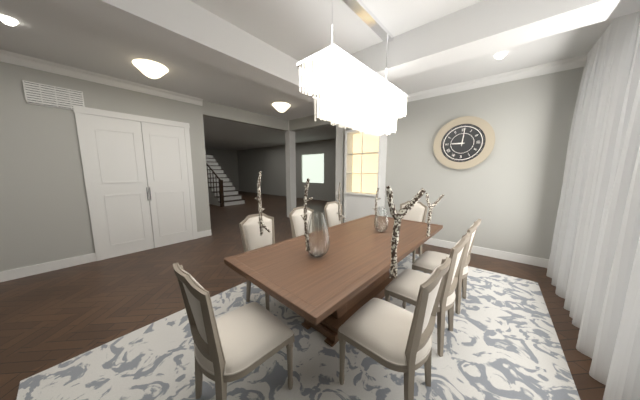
9 h 01 min
